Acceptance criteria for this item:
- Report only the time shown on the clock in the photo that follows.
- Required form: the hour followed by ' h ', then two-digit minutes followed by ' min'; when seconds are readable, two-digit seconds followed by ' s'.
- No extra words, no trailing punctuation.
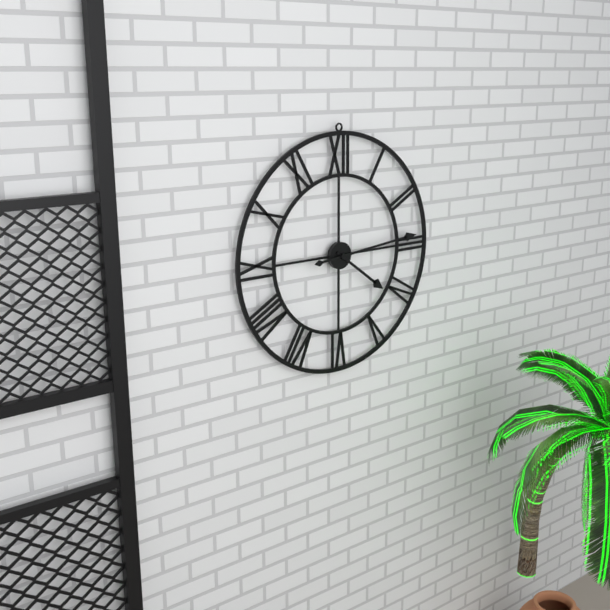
4 h 14 min
